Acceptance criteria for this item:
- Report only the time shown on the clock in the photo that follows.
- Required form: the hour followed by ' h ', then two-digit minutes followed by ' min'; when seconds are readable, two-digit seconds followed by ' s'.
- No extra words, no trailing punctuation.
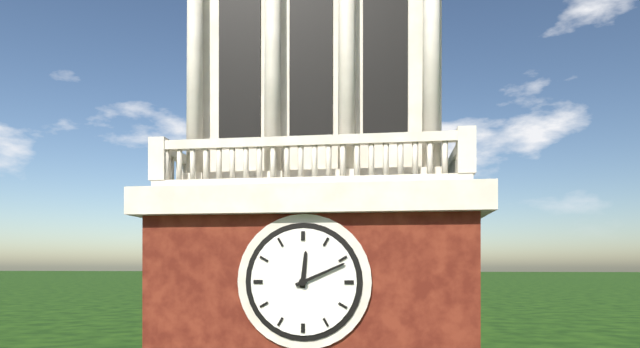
12 h 11 min
